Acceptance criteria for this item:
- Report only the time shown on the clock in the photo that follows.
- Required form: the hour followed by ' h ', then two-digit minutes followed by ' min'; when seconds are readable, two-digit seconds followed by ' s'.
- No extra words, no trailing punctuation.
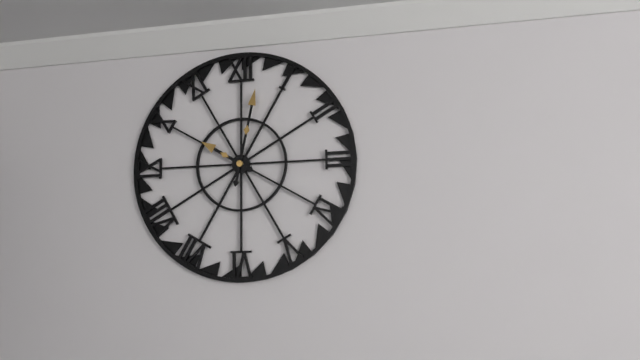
10 h 02 min
